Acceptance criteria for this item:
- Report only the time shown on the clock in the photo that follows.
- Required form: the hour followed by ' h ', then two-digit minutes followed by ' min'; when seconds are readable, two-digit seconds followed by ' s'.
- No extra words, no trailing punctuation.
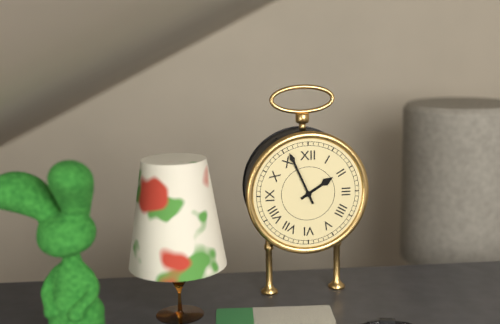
1 h 56 min
